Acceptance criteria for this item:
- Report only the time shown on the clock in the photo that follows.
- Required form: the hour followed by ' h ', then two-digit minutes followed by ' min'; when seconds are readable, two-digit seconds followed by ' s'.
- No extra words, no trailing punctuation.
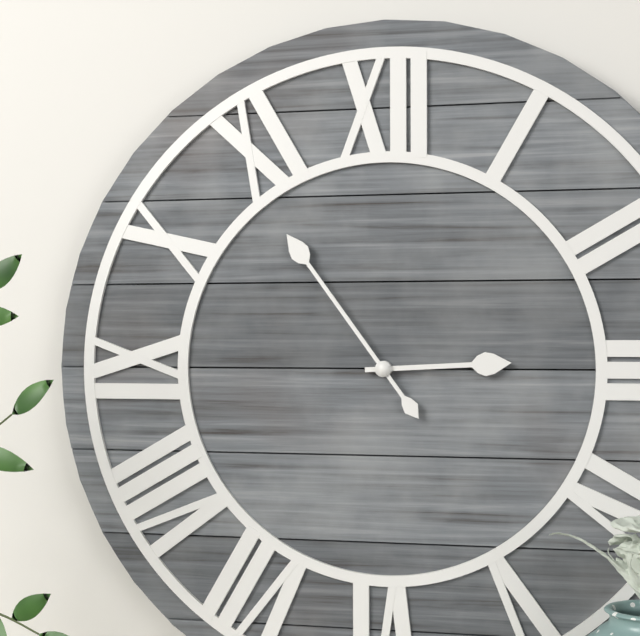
2 h 54 min
